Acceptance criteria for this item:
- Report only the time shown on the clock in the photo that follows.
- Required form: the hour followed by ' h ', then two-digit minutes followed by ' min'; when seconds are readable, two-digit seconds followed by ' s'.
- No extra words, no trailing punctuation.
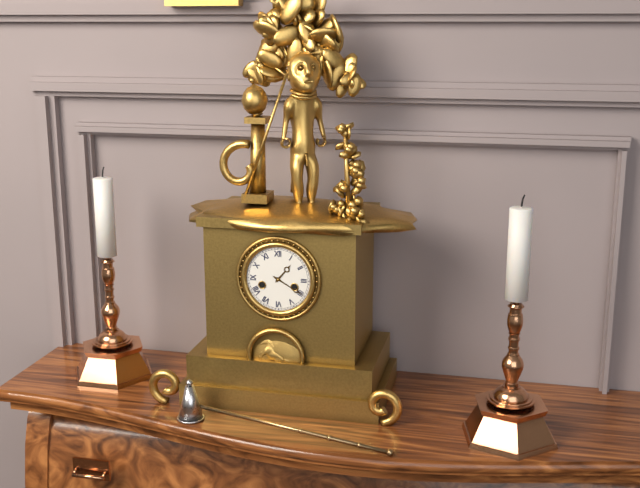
1 h 20 min
